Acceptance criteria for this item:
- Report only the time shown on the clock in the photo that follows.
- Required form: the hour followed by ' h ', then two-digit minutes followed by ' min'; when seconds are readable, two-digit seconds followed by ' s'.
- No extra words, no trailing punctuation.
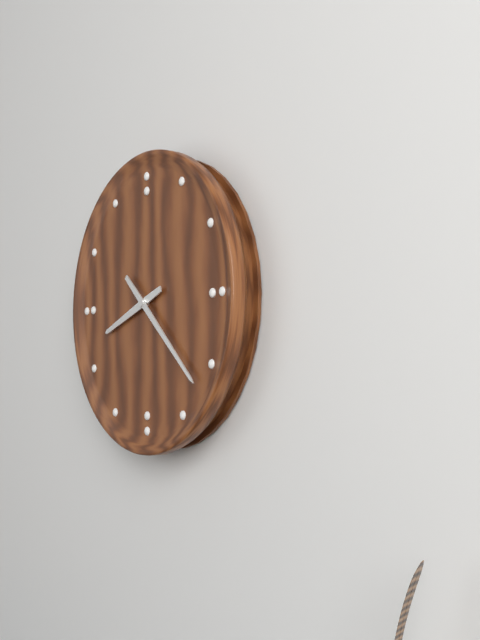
8 h 22 min
